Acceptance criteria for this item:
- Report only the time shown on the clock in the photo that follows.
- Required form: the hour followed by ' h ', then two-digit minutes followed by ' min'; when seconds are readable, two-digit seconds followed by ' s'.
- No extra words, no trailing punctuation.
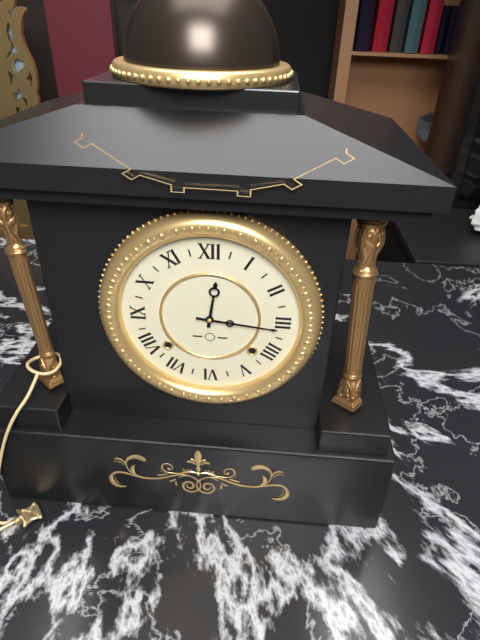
12 h 16 min
